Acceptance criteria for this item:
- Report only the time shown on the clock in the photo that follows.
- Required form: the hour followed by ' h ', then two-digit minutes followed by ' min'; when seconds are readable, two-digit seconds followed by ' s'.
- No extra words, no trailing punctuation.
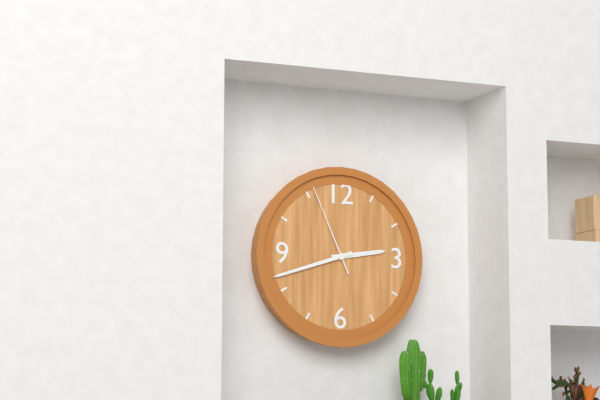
2 h 42 min 56 s
